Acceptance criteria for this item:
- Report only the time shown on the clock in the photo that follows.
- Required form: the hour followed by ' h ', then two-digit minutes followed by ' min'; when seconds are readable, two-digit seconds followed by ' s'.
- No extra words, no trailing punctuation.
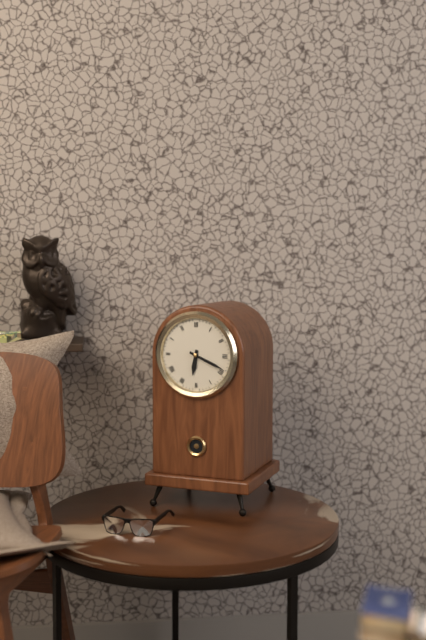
6 h 19 min
